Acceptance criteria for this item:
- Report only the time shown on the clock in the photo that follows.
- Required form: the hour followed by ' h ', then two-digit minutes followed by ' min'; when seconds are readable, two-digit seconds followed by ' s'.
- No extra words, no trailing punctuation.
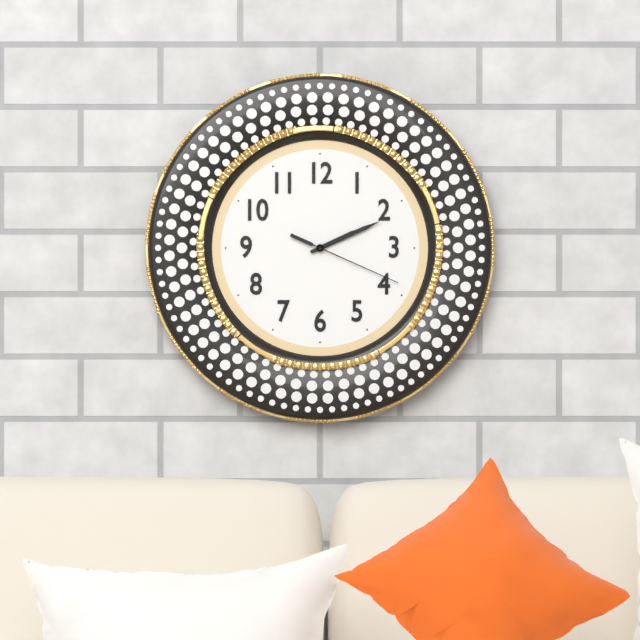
2 h 11 min 19 s
